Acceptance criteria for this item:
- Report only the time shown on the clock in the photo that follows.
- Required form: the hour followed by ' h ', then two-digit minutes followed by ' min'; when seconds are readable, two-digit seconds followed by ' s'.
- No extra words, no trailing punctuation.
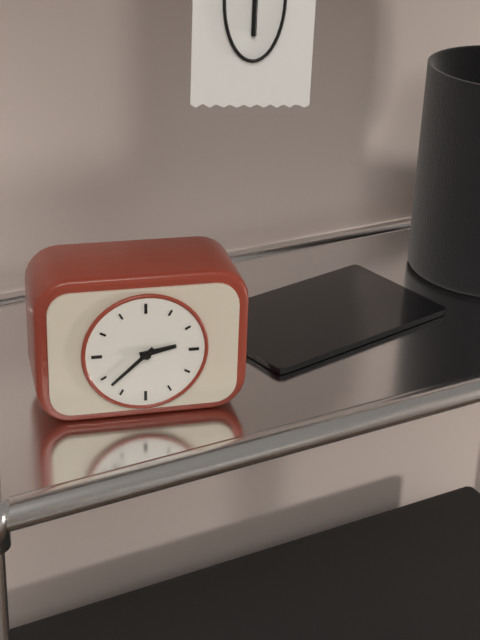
2 h 38 min
